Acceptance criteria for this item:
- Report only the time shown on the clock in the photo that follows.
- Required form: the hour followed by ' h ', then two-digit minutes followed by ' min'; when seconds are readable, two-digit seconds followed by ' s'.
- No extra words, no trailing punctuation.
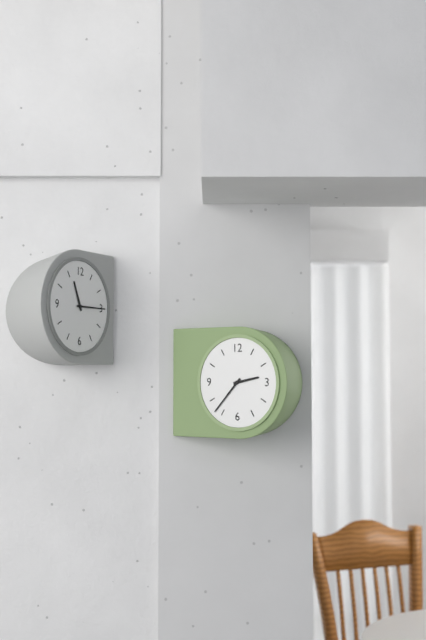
2 h 37 min
